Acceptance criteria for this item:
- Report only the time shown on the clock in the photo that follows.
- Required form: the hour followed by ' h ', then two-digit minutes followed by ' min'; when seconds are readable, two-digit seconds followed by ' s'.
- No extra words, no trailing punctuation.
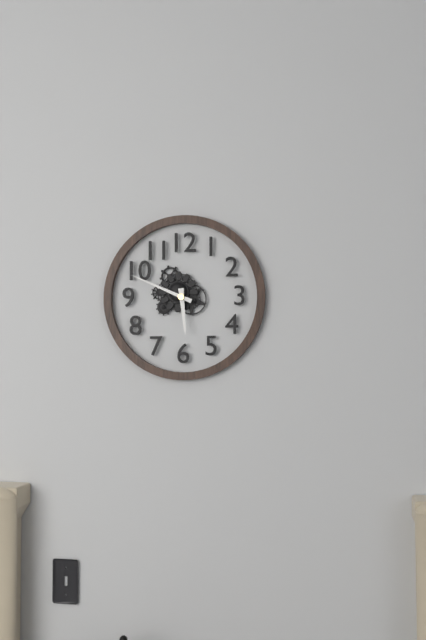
5 h 49 min
